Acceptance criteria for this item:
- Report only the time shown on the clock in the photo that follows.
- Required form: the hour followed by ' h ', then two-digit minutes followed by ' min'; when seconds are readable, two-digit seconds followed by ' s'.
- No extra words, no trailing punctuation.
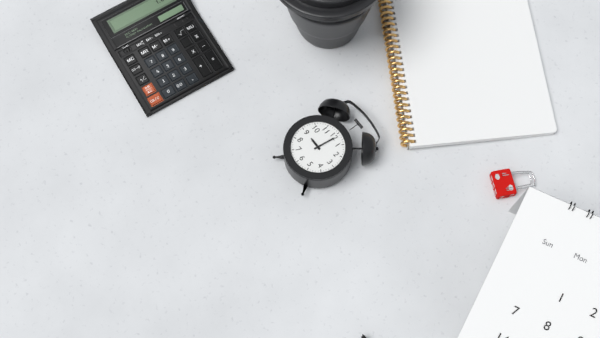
9 h 01 min
